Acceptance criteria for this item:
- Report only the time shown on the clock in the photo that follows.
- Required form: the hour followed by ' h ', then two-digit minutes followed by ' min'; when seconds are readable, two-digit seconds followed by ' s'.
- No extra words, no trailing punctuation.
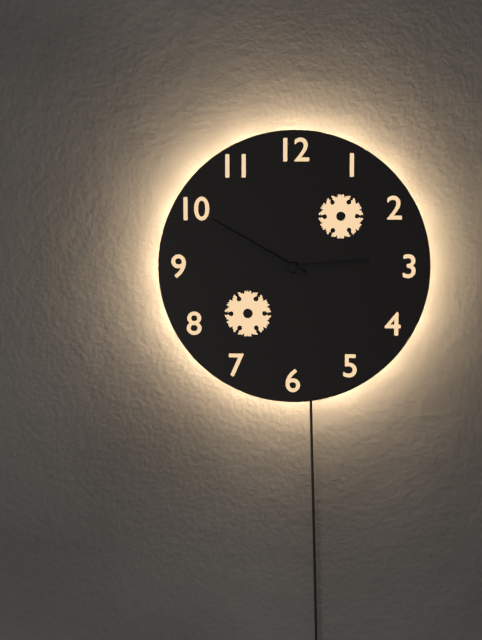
2 h 50 min
